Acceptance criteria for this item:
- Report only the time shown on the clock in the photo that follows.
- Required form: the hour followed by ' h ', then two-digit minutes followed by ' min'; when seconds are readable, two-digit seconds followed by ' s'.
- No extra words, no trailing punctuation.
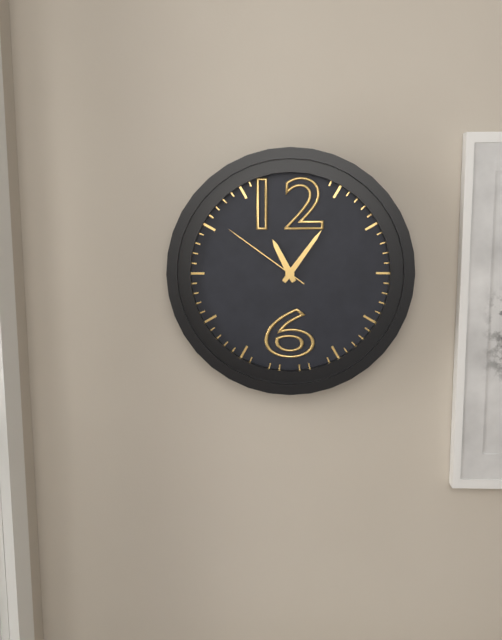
11 h 06 min 51 s
